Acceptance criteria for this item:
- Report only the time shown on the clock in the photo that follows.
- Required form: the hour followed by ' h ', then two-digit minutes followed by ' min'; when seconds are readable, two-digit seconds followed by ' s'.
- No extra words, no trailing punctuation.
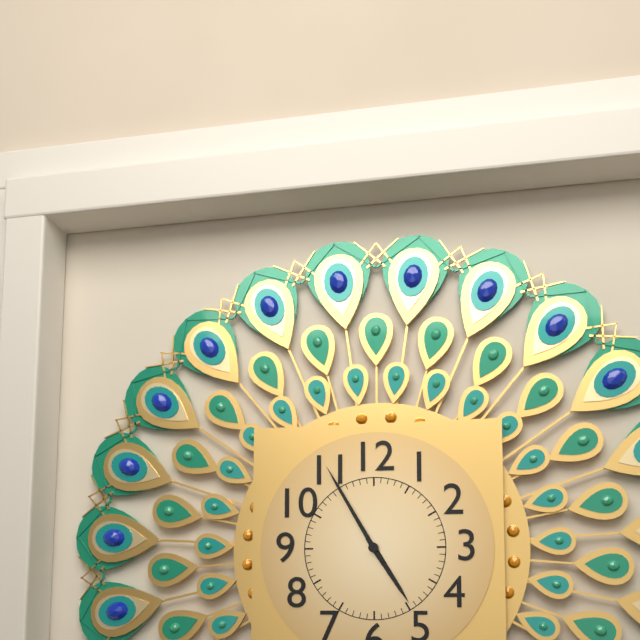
4 h 55 min
